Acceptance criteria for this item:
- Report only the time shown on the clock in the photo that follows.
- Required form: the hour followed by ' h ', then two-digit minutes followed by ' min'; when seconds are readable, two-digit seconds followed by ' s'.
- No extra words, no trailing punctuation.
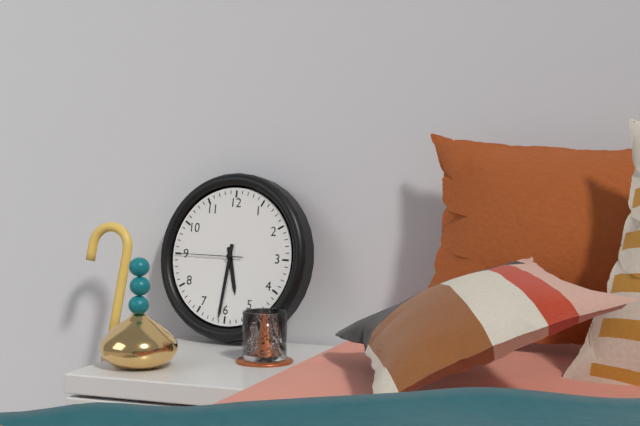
5 h 31 min 45 s
